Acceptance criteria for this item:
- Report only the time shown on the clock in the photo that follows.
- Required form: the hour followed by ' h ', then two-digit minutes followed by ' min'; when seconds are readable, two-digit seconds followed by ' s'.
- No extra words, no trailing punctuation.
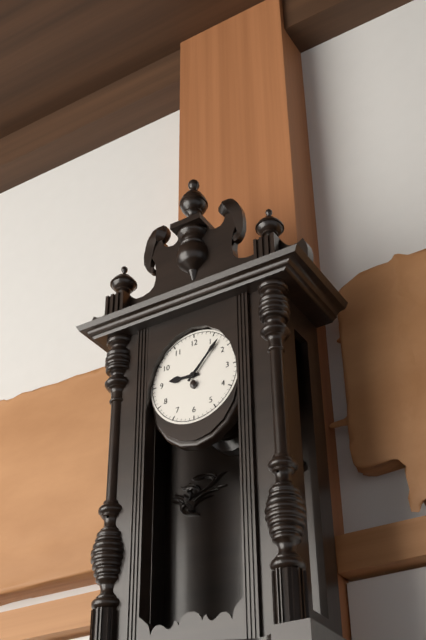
9 h 07 min
